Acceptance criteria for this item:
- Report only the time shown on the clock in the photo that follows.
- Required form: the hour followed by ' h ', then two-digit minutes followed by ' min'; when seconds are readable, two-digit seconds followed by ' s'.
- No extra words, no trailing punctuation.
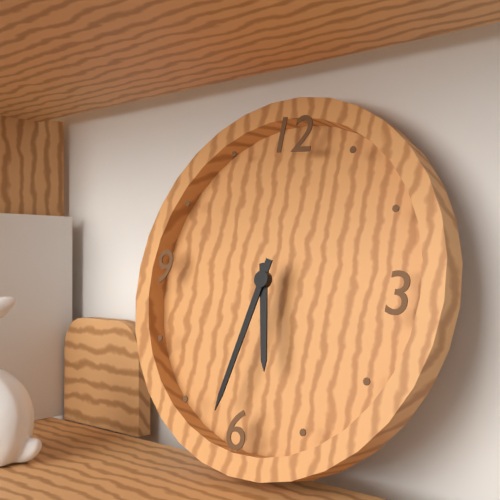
5 h 32 min
